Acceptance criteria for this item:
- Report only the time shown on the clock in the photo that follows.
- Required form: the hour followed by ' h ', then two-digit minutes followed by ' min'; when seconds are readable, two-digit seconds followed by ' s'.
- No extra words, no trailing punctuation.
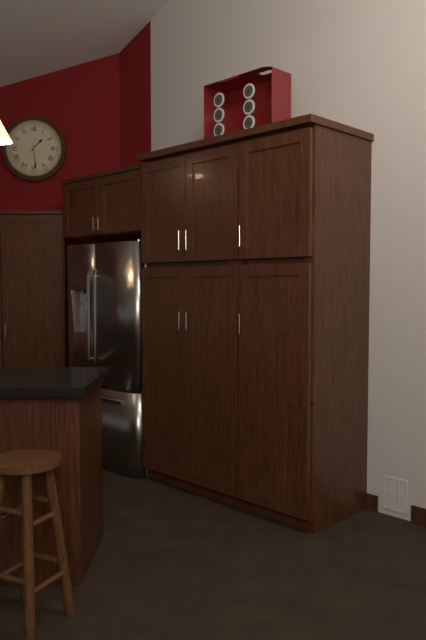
1 h 29 min
